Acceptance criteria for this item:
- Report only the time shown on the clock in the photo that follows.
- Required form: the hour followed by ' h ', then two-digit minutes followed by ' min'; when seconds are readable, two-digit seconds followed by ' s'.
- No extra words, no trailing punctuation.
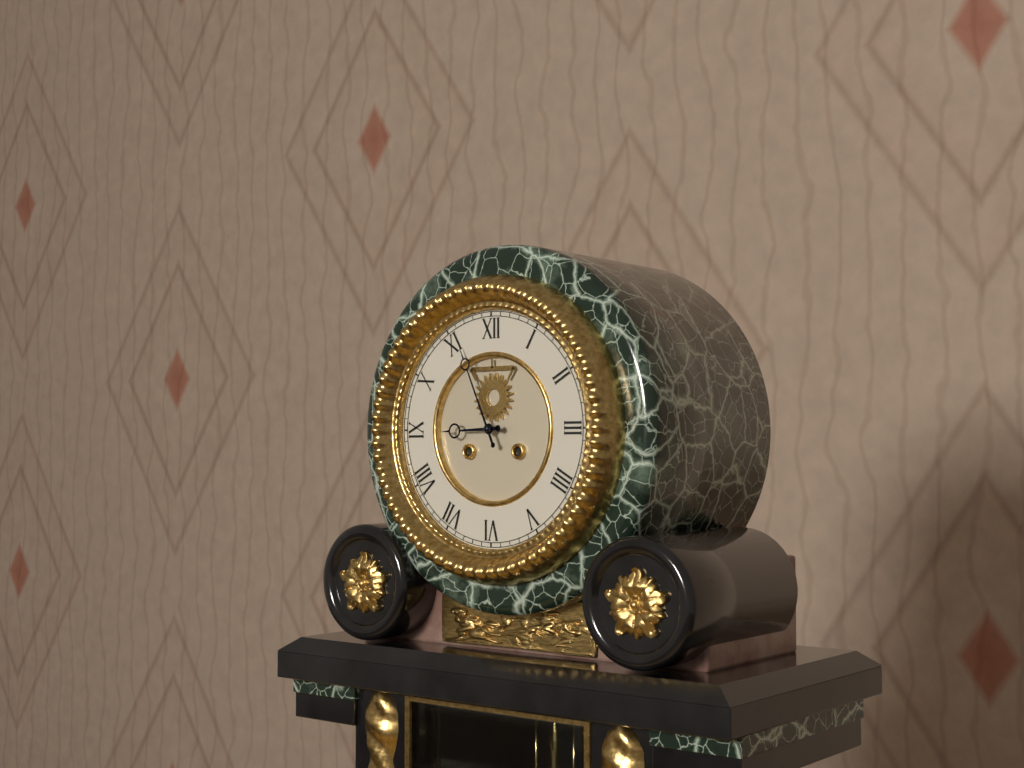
8 h 56 min
